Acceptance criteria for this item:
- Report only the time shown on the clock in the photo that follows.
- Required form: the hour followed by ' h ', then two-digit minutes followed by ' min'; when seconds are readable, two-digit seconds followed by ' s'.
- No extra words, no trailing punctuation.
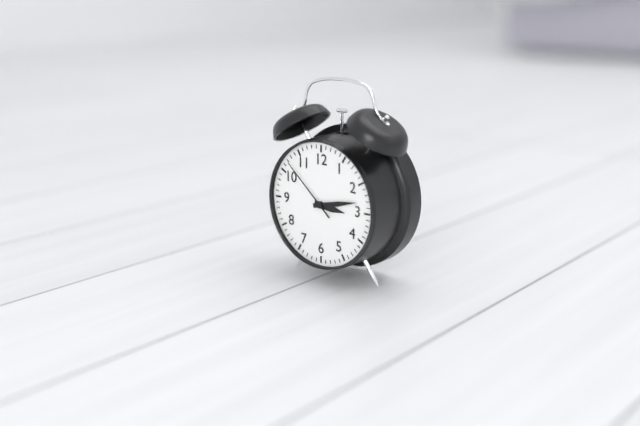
3 h 13 min 52 s
